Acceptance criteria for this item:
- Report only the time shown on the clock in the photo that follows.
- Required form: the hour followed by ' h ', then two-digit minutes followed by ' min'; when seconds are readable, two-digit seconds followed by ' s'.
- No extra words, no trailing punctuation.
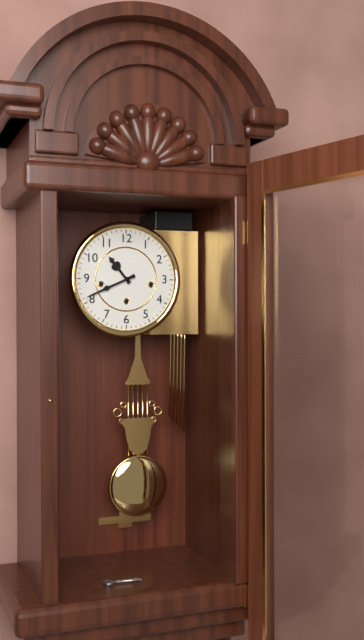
10 h 41 min
